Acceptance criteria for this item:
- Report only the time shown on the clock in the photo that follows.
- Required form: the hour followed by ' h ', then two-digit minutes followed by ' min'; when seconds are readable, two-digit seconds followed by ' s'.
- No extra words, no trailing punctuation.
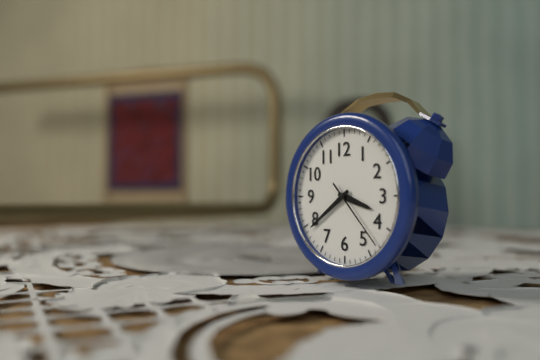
3 h 39 min 23 s
